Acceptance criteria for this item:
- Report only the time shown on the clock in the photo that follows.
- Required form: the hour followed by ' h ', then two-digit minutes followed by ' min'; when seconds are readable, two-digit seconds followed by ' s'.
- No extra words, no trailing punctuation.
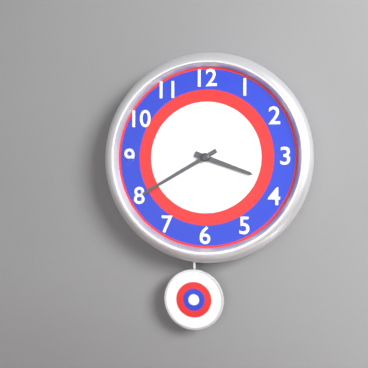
3 h 40 min
